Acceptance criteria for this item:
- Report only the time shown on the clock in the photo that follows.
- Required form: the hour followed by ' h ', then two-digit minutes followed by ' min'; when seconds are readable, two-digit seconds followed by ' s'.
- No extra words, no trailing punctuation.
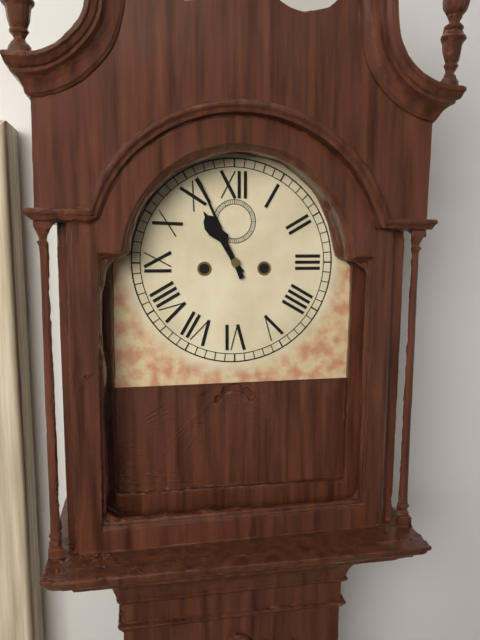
10 h 56 min
